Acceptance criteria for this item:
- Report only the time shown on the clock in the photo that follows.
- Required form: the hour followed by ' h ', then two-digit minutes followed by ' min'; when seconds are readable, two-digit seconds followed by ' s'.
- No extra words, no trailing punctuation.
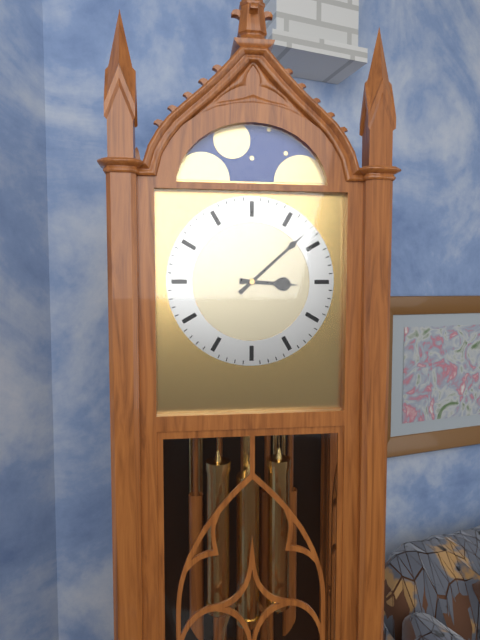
3 h 08 min
